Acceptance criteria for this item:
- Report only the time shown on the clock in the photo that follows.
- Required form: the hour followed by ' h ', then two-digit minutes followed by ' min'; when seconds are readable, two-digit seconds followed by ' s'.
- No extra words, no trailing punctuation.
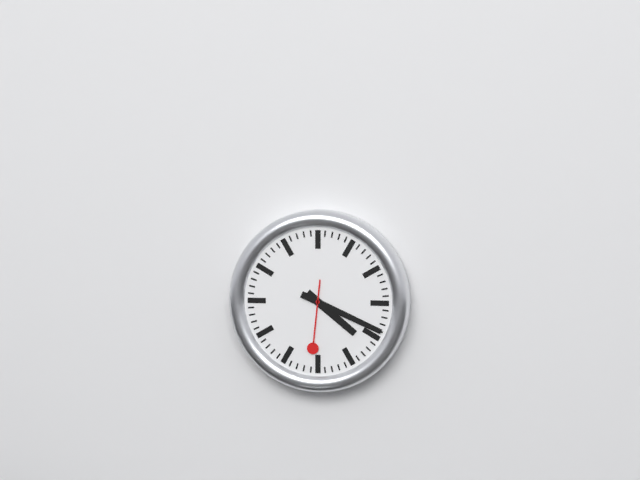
4 h 19 min 31 s
